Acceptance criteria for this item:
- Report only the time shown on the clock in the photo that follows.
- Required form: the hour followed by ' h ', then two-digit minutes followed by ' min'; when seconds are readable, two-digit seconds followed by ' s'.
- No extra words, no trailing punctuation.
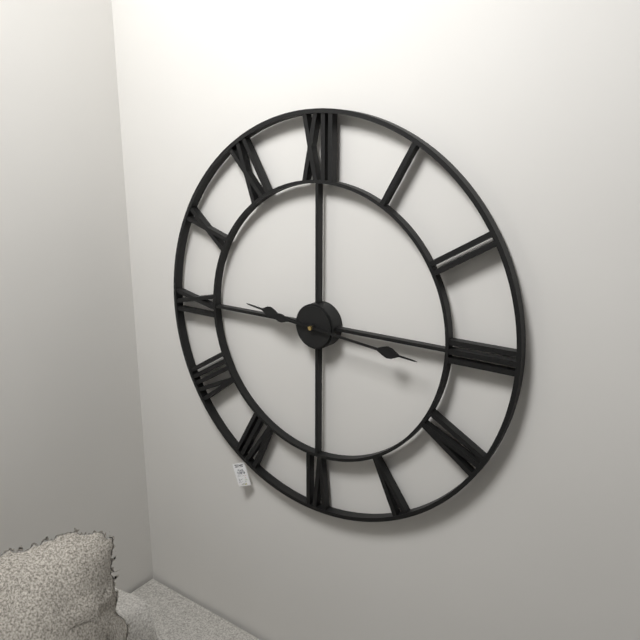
9 h 16 min
